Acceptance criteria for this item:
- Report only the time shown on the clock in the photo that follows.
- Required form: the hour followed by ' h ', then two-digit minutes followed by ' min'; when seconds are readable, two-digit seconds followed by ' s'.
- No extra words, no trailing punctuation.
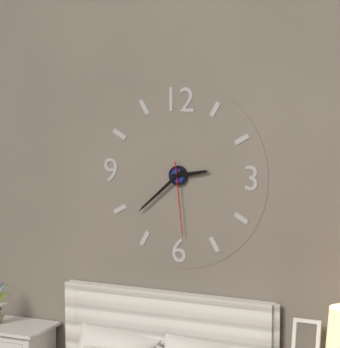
2 h 38 min 29 s
